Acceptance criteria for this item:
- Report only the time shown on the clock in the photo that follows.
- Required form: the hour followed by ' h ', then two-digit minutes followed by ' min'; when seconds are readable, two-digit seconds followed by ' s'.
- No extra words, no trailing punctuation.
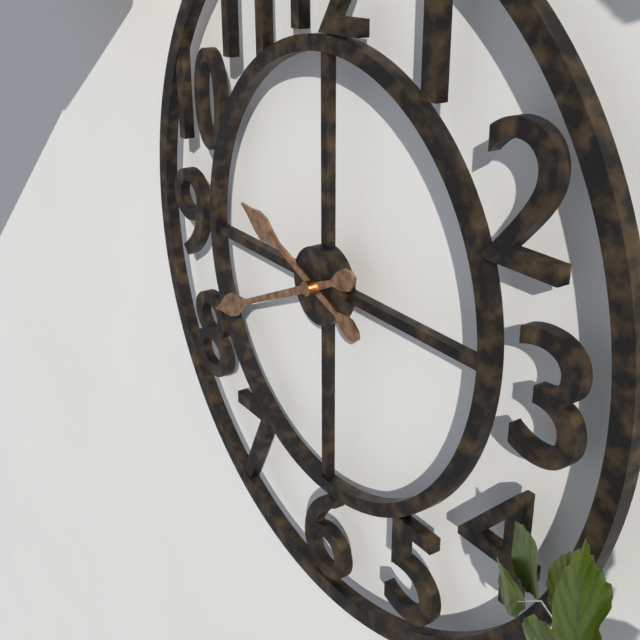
9 h 41 min
